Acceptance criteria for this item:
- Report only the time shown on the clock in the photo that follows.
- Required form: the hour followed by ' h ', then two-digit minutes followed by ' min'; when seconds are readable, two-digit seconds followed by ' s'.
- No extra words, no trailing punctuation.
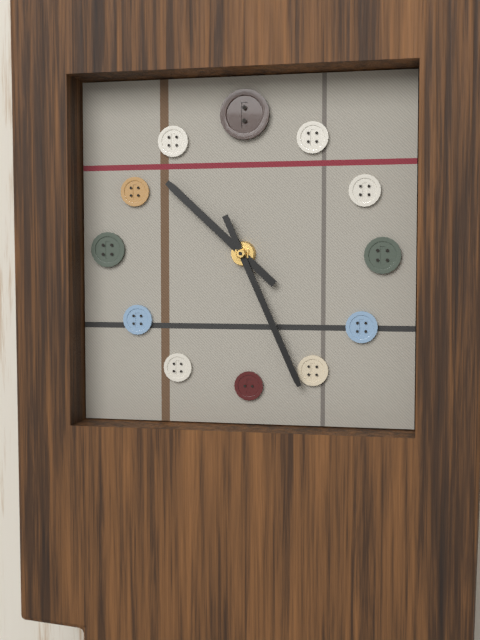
10 h 26 min
